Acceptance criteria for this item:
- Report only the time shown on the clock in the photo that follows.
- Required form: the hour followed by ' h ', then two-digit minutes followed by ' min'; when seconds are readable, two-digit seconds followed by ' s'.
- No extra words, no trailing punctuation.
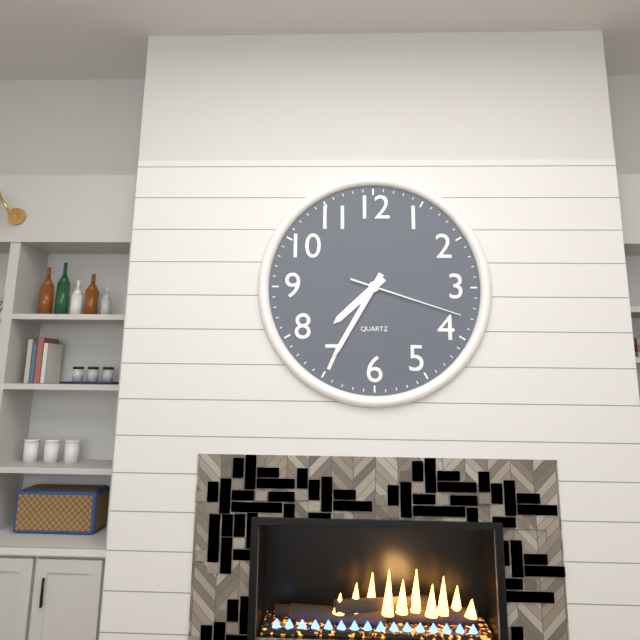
7 h 35 min 18 s
